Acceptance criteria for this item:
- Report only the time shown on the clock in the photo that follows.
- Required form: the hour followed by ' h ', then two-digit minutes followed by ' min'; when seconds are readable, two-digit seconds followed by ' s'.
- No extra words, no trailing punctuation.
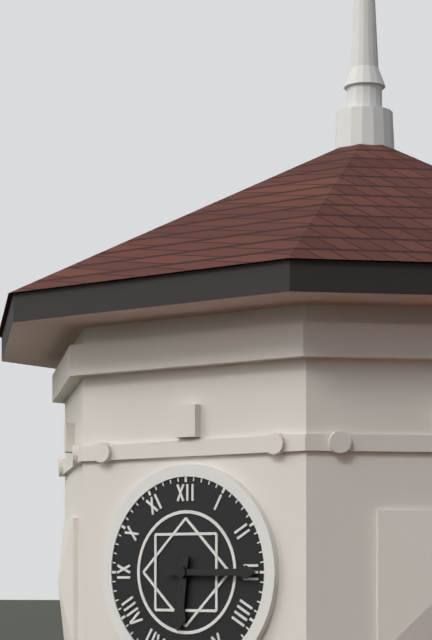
6 h 15 min
